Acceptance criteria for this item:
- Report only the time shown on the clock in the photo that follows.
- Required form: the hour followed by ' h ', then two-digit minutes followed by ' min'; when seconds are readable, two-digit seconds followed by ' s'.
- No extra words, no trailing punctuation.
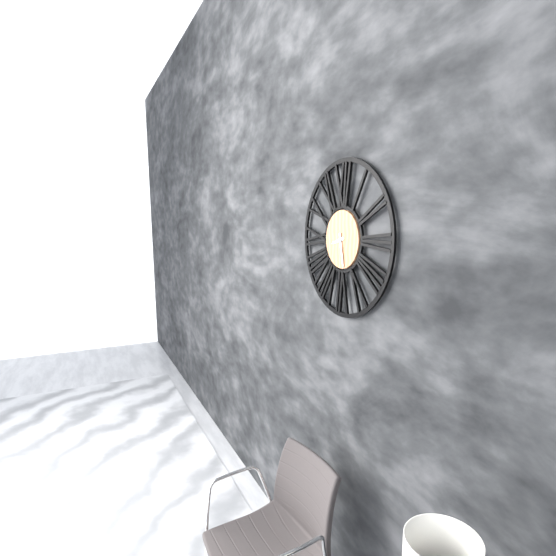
8 h 28 min
